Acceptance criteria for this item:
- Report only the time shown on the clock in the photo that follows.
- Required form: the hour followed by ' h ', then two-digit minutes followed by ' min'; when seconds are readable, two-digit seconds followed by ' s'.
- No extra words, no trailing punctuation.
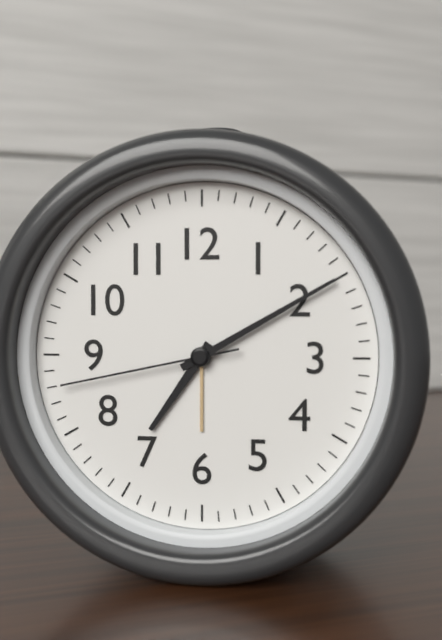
7 h 10 min 43 s
